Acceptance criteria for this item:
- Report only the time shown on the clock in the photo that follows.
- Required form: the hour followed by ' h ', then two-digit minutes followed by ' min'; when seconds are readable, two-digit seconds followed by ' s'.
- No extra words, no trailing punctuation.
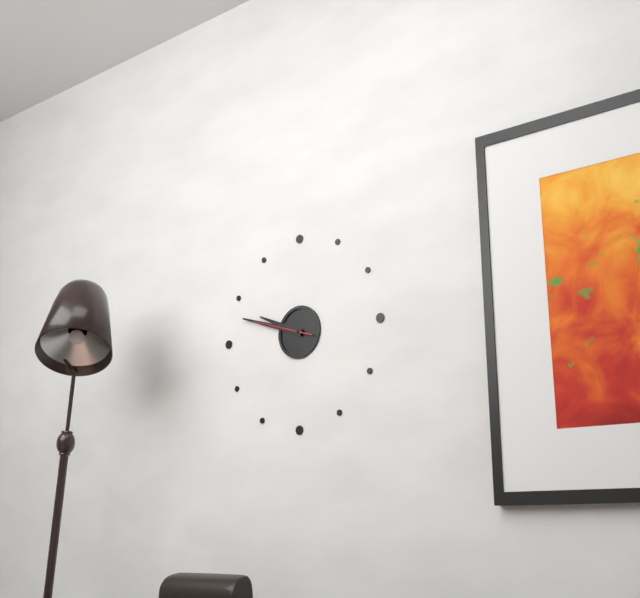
9 h 48 min 48 s
